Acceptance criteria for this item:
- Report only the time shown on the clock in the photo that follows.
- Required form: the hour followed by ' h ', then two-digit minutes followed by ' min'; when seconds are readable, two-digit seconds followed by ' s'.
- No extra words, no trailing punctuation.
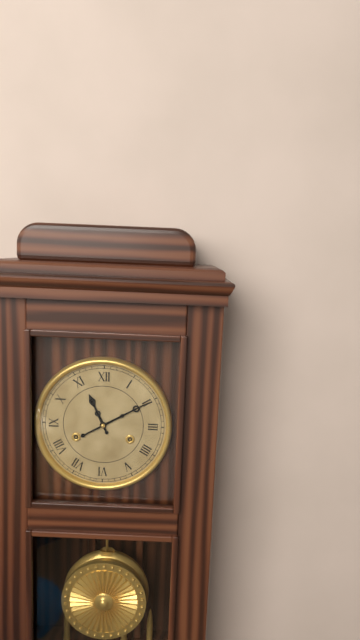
11 h 10 min
